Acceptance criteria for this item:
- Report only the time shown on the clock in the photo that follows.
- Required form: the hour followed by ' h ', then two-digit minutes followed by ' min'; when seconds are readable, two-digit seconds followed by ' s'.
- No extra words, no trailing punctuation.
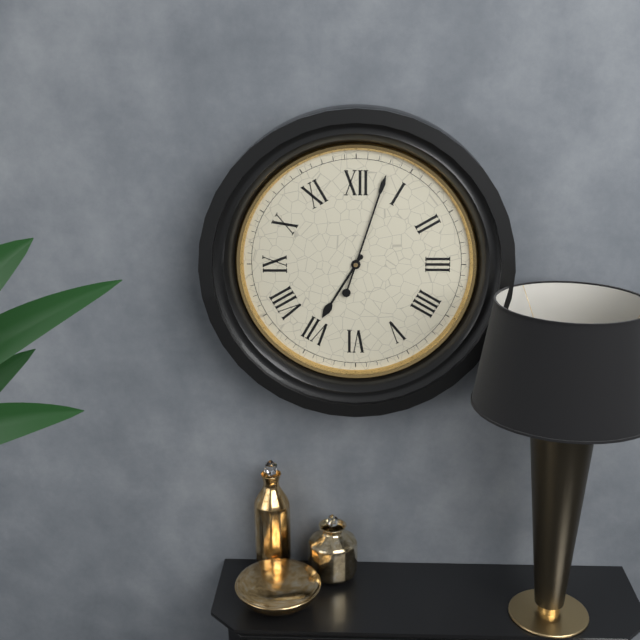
7 h 03 min
